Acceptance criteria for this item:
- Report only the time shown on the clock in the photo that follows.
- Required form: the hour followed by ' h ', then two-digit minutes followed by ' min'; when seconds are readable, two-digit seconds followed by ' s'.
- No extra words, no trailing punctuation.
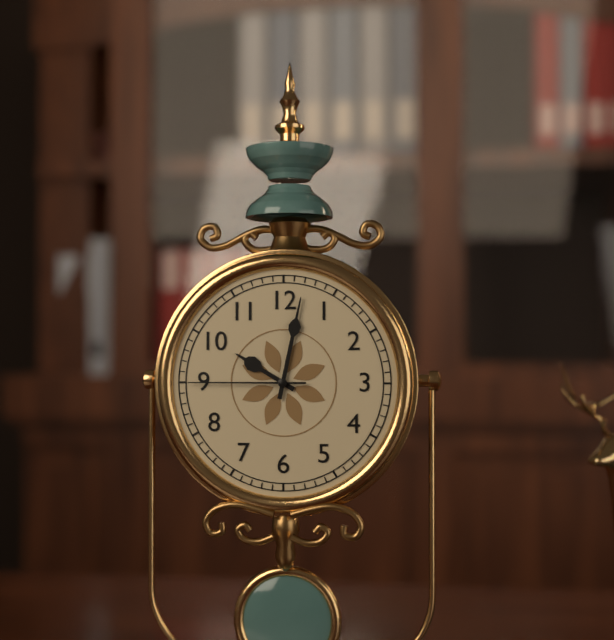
10 h 02 min 45 s
